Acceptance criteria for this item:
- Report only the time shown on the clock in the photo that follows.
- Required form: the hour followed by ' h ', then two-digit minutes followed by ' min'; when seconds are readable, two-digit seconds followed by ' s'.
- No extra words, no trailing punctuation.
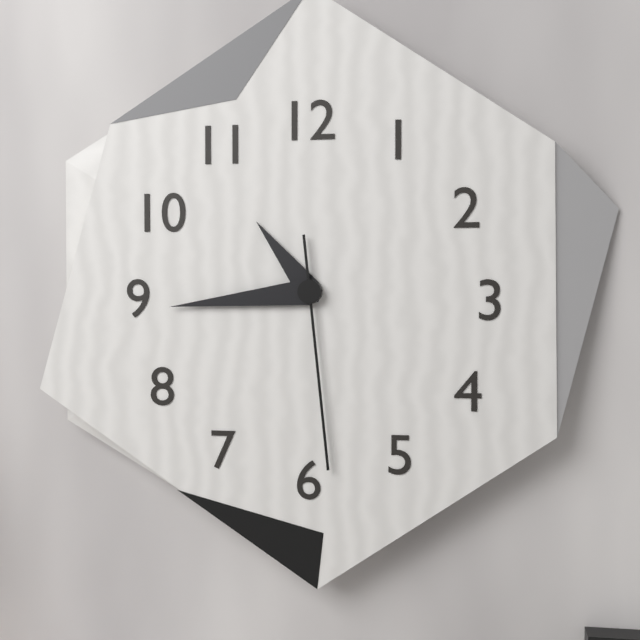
10 h 44 min 29 s
